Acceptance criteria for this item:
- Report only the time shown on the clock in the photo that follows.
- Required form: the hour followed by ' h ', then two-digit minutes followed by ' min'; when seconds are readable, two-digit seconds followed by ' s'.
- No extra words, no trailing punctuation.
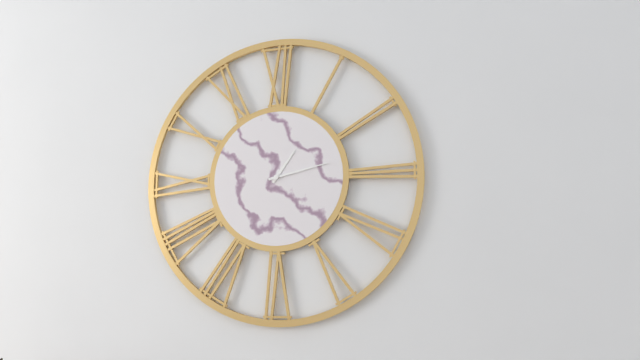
1 h 13 min
